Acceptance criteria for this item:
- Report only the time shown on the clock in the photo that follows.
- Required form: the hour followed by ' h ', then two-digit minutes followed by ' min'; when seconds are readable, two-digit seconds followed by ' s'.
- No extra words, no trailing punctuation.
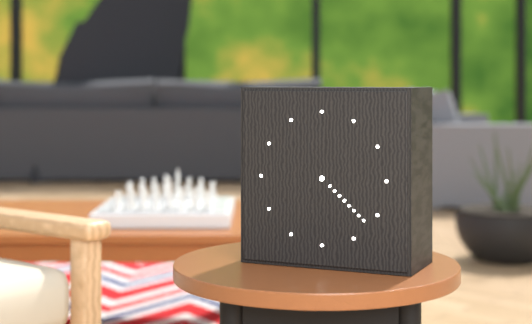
4 h 22 min
